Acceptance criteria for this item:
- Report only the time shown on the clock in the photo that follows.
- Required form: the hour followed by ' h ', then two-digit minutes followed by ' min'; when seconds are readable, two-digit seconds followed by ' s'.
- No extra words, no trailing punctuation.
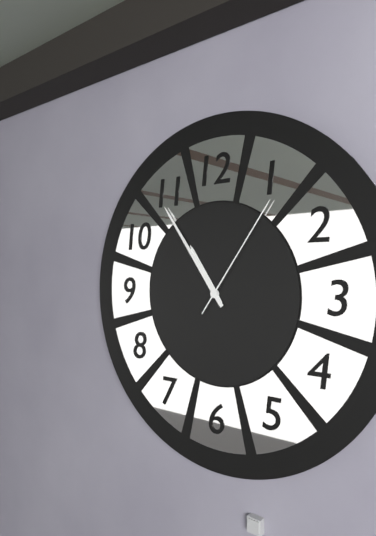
10 h 54 min 06 s
